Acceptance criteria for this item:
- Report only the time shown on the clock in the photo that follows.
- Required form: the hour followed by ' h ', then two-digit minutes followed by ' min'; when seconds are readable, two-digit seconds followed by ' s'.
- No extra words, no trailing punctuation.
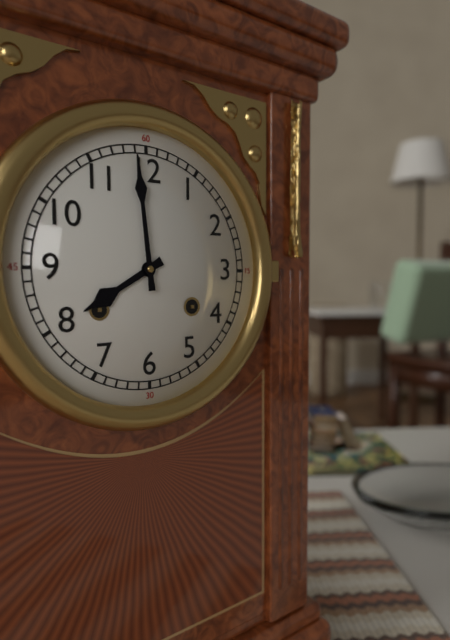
7 h 59 min
